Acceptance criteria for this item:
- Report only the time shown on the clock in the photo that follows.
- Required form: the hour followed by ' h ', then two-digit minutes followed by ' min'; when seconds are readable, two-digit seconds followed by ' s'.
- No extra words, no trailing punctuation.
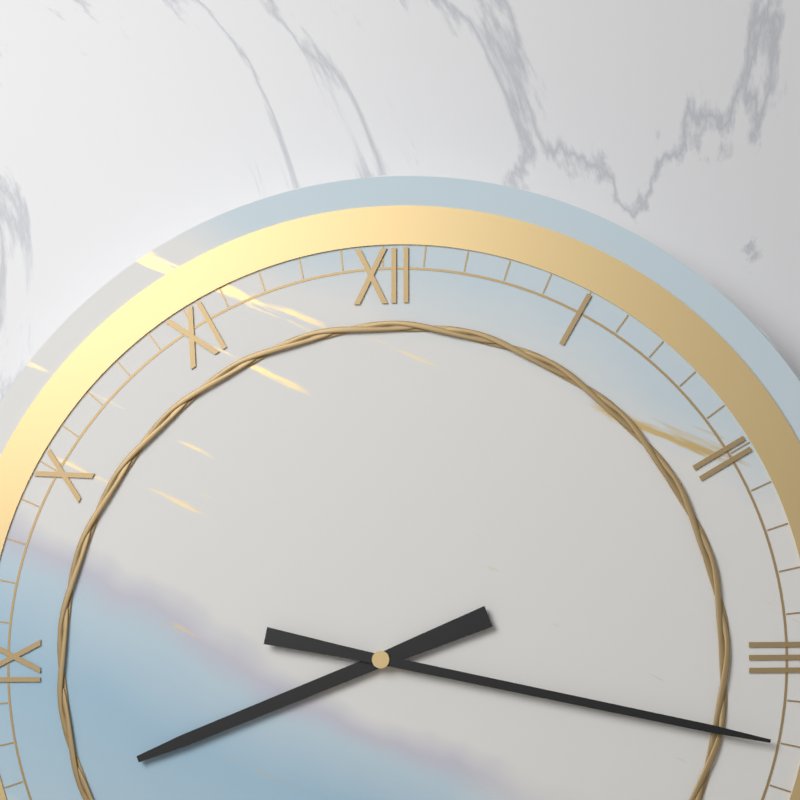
8 h 17 min
